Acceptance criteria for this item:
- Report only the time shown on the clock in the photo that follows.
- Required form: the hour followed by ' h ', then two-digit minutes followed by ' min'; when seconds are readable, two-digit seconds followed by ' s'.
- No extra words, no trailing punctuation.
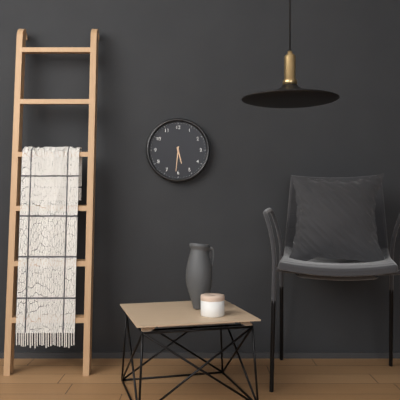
5 h 31 min
